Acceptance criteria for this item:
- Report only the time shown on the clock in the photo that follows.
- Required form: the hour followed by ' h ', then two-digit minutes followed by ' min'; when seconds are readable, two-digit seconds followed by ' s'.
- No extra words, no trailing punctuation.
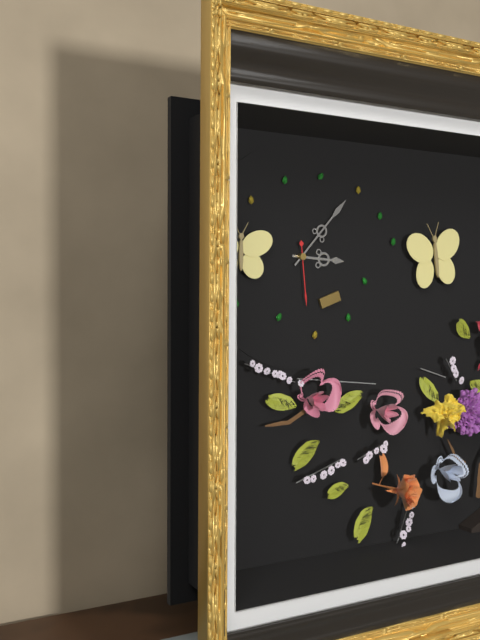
3 h 07 min 29 s
